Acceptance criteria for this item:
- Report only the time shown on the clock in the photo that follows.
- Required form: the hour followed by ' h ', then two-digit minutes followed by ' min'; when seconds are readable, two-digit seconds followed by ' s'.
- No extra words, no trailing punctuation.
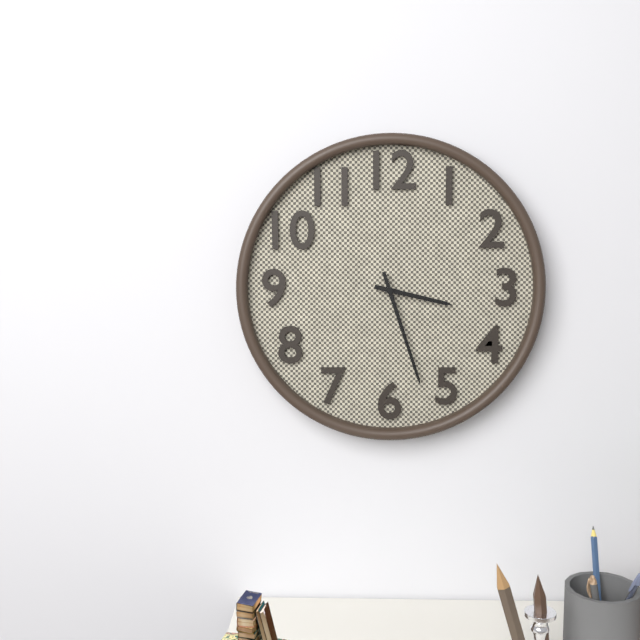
3 h 27 min
